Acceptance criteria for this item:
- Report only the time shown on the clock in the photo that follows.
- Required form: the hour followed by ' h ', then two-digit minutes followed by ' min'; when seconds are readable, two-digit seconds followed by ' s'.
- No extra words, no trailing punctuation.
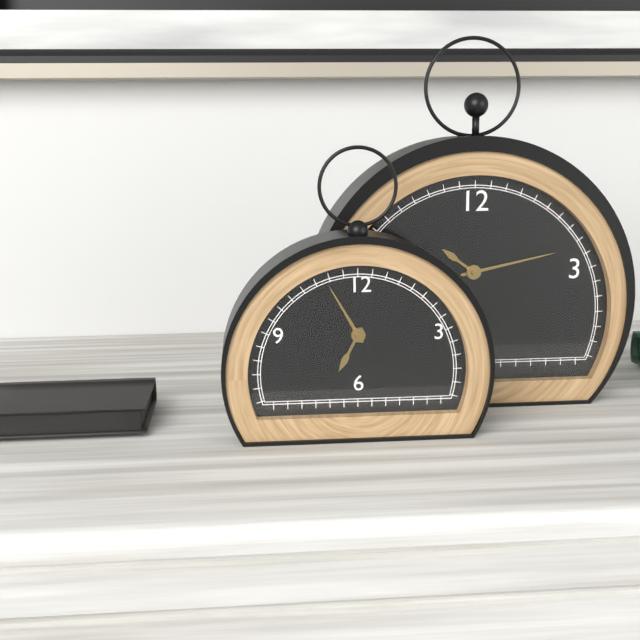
6 h 55 min
